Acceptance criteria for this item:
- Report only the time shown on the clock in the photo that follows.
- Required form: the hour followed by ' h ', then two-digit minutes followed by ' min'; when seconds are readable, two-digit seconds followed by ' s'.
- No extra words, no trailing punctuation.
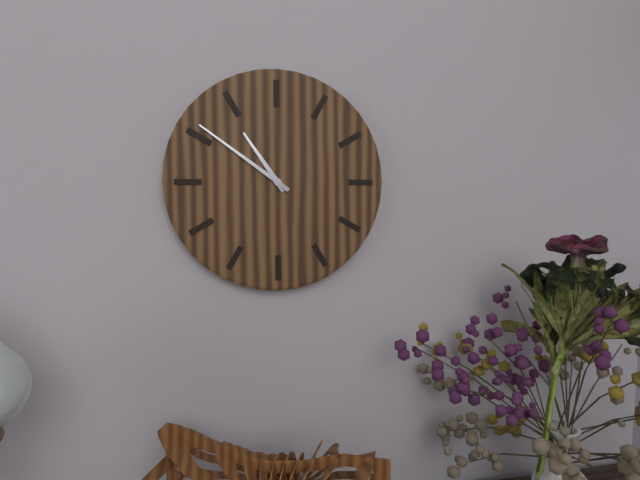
10 h 51 min
